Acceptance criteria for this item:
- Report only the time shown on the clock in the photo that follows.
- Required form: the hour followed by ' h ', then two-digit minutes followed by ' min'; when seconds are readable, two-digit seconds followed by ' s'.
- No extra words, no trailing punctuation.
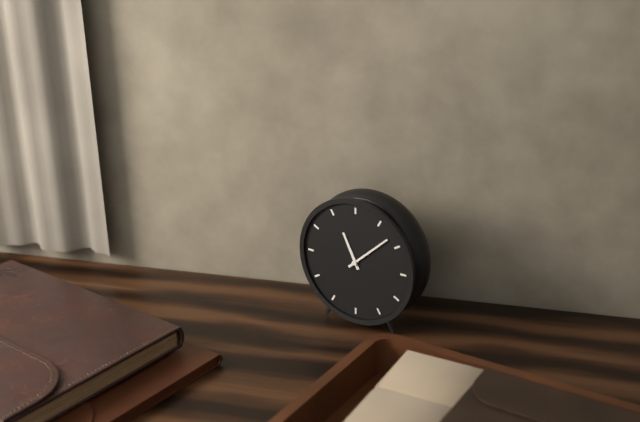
11 h 08 min
